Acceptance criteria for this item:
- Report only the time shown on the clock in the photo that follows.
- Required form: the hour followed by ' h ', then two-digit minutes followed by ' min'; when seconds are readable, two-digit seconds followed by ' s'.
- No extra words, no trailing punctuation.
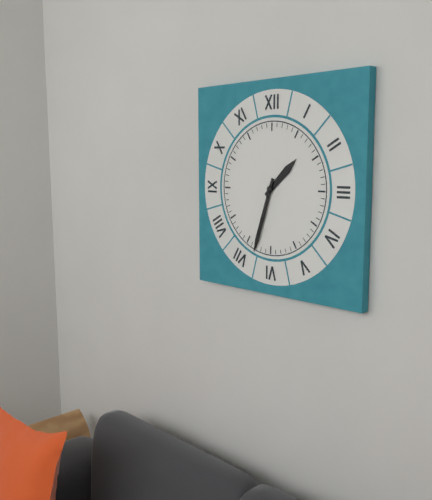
1 h 33 min
